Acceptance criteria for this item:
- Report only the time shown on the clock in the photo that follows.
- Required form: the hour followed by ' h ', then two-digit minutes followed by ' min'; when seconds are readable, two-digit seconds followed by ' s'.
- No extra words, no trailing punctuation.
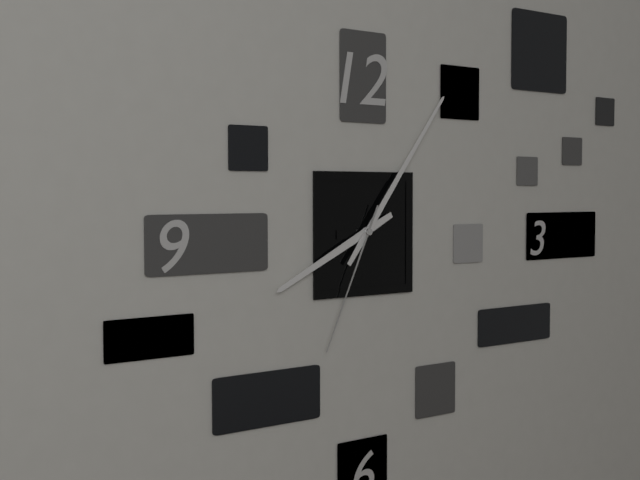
8 h 06 min 34 s
